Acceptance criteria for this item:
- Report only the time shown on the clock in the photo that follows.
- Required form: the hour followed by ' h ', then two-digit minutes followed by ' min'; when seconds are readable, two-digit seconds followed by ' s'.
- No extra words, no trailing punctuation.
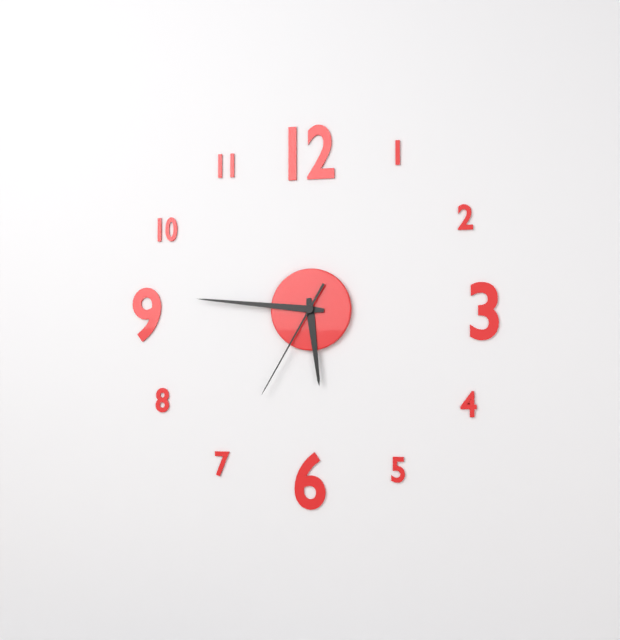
5 h 46 min 35 s
